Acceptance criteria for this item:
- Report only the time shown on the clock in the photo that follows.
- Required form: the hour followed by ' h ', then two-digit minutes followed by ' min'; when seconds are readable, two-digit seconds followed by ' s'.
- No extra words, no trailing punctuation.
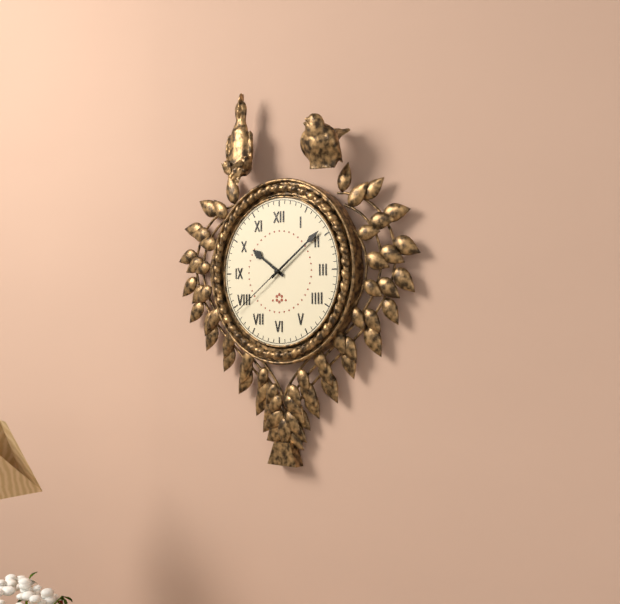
10 h 09 min 39 s
